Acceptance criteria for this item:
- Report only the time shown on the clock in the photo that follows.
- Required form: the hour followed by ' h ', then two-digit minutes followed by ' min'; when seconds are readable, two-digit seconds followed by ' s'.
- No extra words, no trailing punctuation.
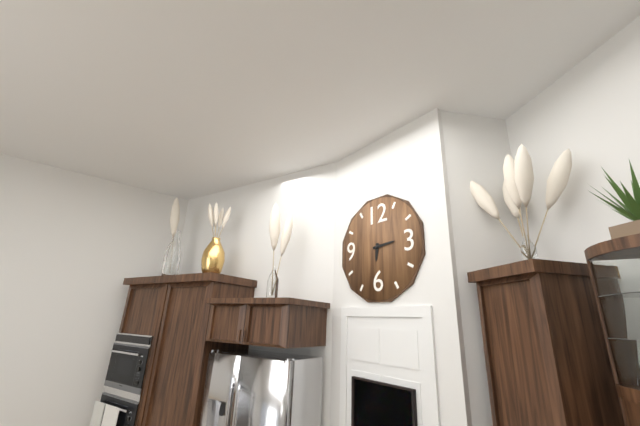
6 h 14 min
